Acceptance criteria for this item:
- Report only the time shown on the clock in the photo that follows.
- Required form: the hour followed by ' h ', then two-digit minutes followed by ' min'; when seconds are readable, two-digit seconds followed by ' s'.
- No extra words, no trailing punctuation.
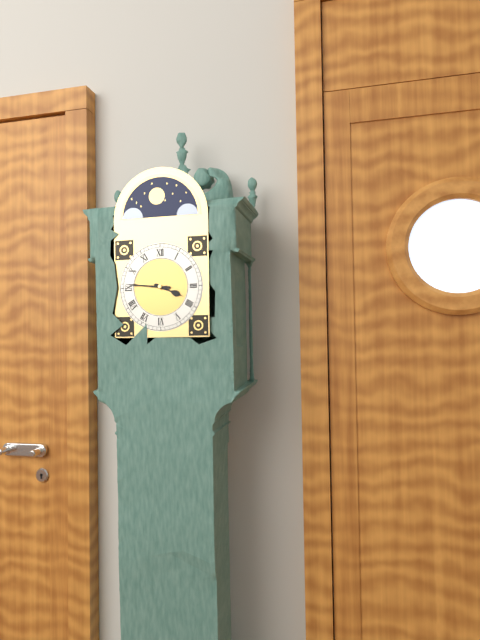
3 h 46 min
